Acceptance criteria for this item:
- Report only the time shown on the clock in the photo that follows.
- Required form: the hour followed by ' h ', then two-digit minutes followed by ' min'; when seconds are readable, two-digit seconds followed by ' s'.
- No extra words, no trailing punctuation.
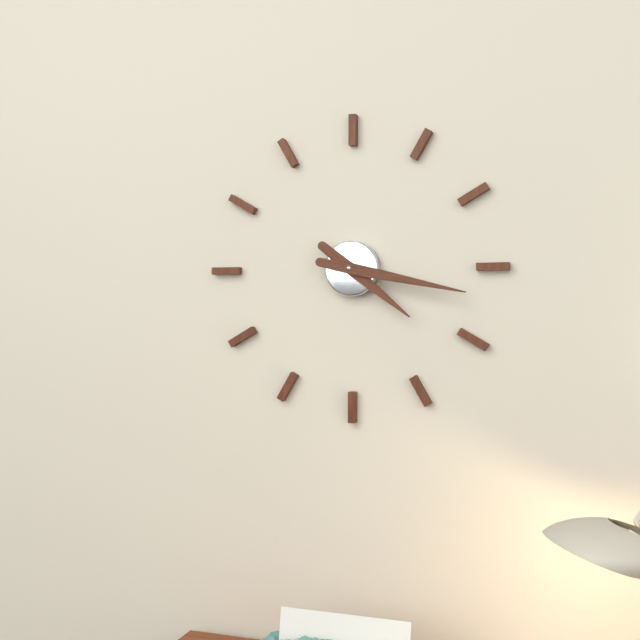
4 h 17 min
